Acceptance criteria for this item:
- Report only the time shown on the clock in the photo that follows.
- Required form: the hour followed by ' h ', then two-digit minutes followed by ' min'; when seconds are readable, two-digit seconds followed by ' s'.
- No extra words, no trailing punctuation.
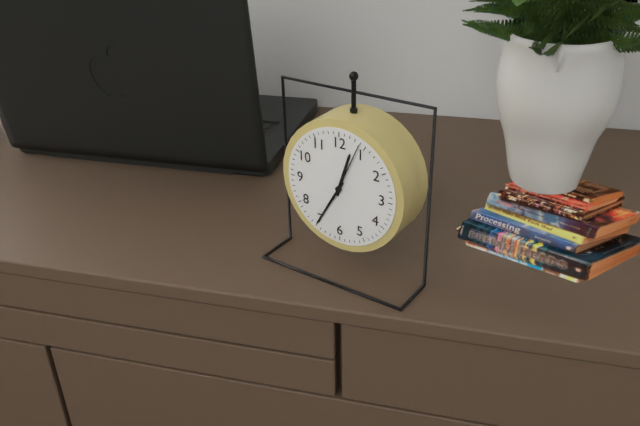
12 h 35 min
